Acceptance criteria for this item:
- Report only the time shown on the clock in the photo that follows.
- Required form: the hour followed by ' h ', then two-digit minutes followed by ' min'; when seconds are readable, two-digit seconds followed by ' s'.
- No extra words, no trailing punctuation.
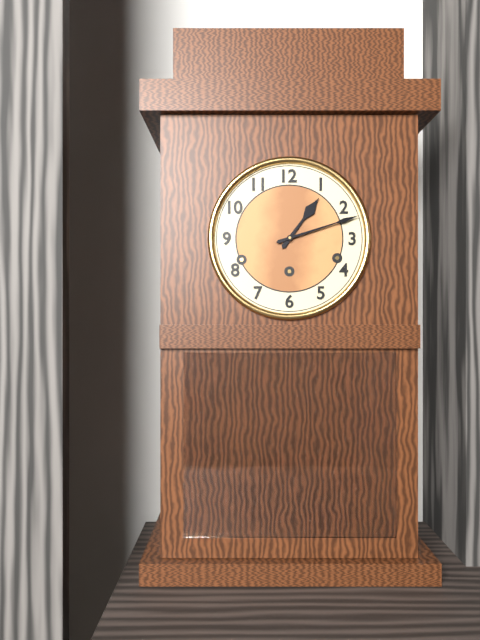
1 h 12 min
